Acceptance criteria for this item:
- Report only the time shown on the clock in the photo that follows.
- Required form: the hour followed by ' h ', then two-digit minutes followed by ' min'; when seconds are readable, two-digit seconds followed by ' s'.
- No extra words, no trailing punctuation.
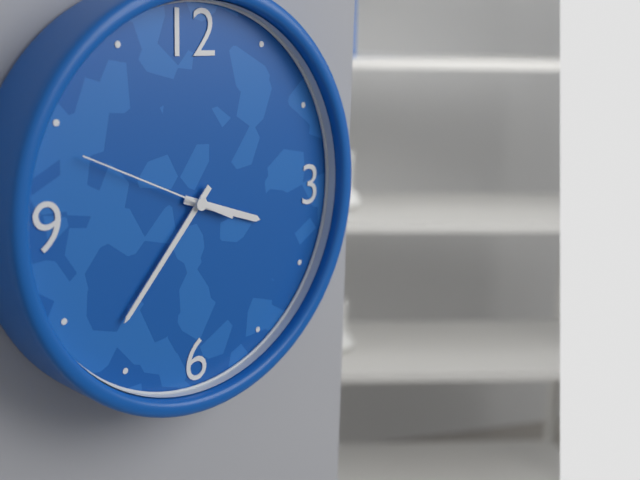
3 h 37 min 49 s
